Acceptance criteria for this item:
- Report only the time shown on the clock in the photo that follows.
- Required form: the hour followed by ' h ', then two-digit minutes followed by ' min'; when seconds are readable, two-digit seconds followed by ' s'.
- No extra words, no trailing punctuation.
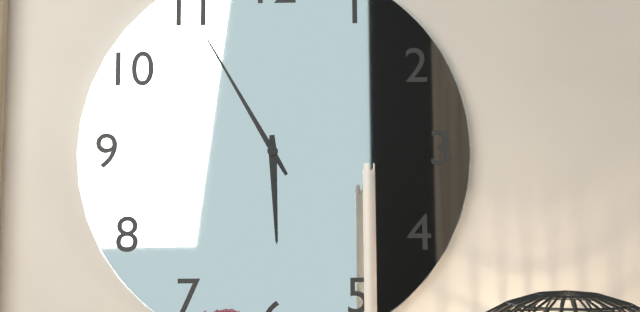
5 h 55 min
